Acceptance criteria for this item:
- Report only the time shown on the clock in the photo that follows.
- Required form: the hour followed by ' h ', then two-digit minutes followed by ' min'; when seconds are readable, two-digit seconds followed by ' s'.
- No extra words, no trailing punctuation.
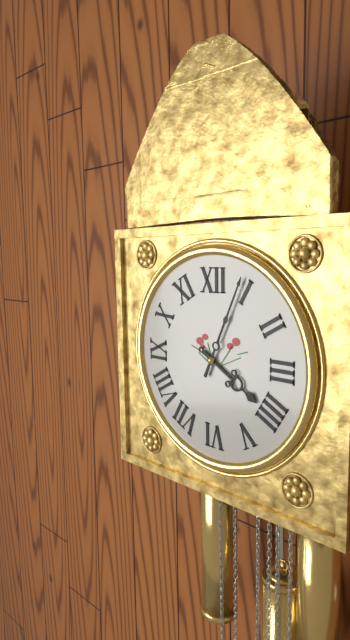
4 h 04 min
